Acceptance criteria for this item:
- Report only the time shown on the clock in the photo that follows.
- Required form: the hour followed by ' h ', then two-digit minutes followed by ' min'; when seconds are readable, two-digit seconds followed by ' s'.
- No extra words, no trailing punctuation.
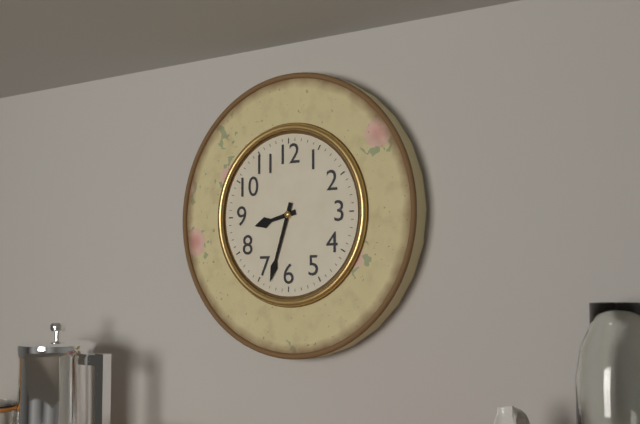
8 h 33 min
